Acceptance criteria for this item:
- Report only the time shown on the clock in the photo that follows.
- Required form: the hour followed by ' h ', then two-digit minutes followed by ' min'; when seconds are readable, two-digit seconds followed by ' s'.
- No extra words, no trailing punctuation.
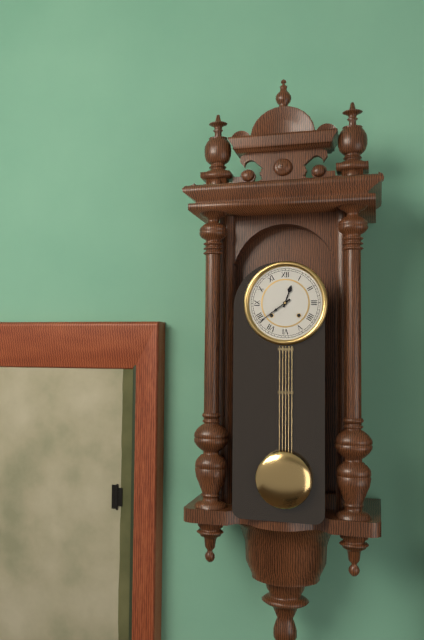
12 h 39 min
